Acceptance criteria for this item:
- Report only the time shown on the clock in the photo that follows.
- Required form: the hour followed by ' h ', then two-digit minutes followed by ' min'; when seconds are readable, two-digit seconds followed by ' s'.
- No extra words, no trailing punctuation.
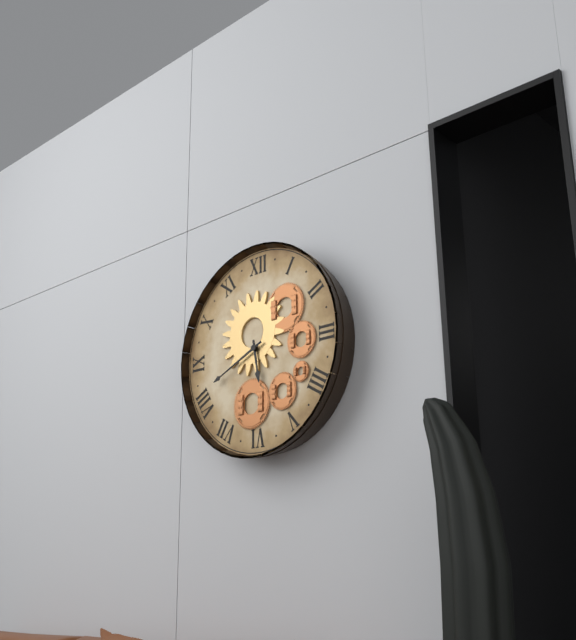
5 h 41 min
